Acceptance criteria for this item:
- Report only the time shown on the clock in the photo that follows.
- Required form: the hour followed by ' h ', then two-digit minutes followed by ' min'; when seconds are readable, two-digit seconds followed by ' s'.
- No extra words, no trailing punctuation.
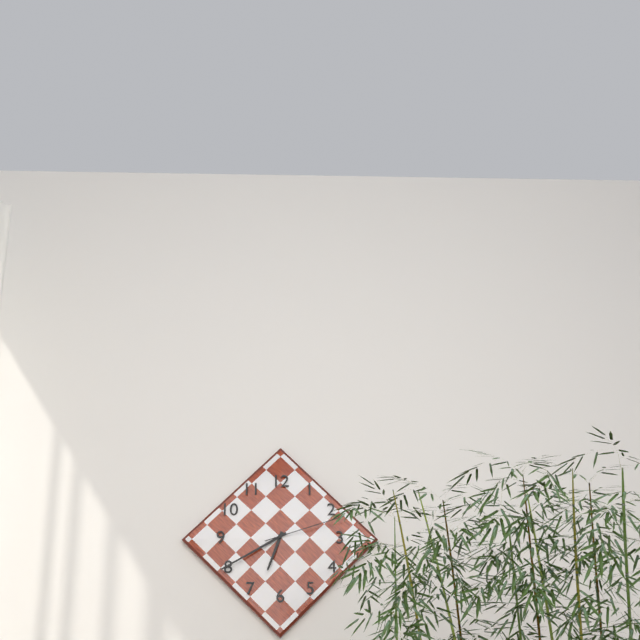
6 h 40 min 12 s
